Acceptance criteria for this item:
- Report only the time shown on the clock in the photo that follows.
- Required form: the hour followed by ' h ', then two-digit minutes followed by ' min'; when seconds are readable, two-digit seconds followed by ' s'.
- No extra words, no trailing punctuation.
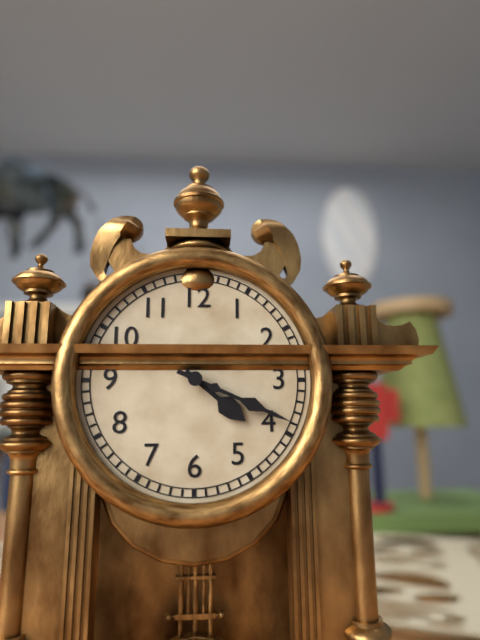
4 h 19 min
